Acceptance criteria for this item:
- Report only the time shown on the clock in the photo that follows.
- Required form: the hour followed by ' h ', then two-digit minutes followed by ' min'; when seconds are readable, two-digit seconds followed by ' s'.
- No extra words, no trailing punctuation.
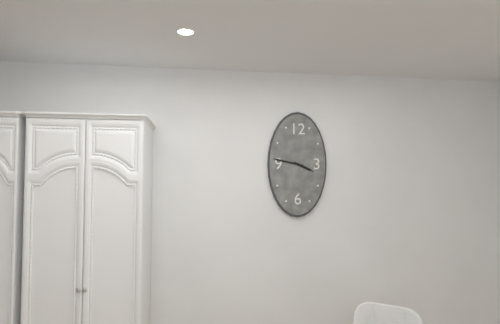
3 h 47 min
